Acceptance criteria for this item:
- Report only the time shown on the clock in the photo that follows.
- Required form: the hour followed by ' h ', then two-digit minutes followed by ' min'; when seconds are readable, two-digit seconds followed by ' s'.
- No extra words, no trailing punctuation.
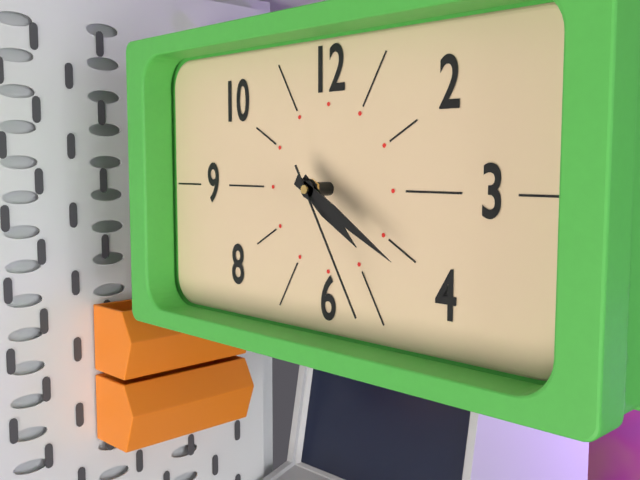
4 h 20 min 25 s
